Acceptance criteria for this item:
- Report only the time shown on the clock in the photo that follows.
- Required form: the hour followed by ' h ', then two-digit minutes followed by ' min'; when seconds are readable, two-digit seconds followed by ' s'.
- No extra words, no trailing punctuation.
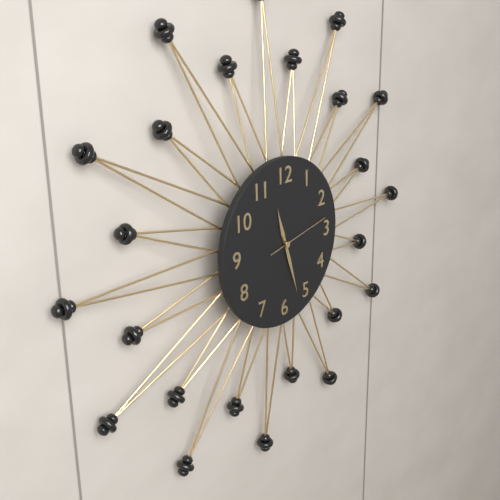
11 h 27 min 13 s
